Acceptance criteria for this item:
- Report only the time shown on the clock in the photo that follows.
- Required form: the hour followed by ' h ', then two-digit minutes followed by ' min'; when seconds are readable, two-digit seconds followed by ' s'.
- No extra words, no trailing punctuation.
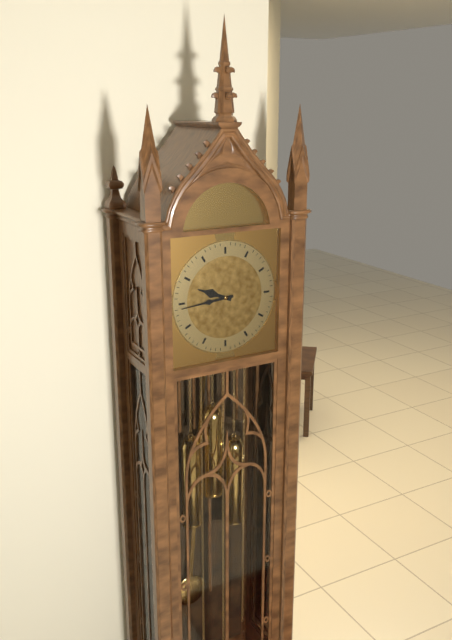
9 h 44 min
